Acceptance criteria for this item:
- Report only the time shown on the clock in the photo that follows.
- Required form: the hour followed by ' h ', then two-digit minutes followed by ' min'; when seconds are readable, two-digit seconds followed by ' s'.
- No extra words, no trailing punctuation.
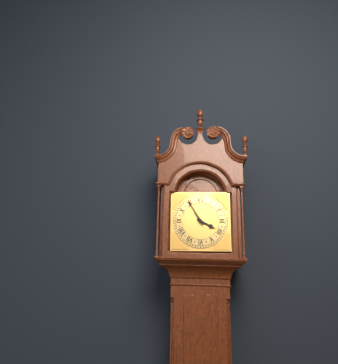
3 h 55 min
